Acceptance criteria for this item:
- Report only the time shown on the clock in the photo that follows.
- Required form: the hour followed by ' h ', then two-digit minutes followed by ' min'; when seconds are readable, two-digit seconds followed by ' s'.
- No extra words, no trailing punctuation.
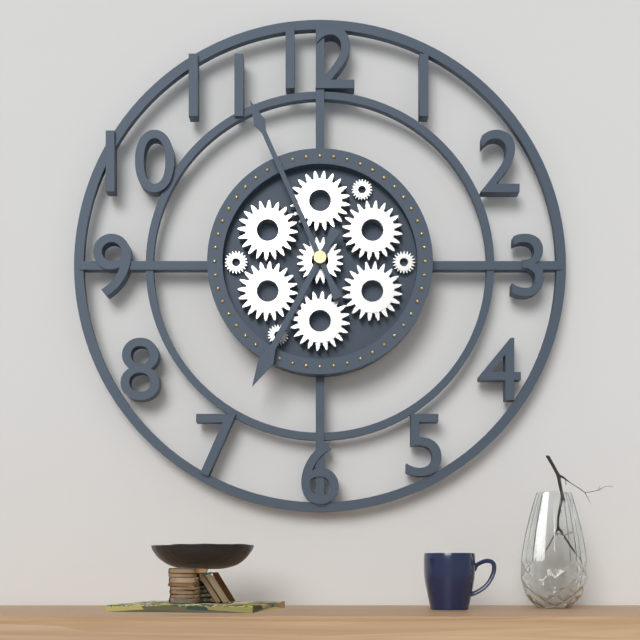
6 h 56 min
